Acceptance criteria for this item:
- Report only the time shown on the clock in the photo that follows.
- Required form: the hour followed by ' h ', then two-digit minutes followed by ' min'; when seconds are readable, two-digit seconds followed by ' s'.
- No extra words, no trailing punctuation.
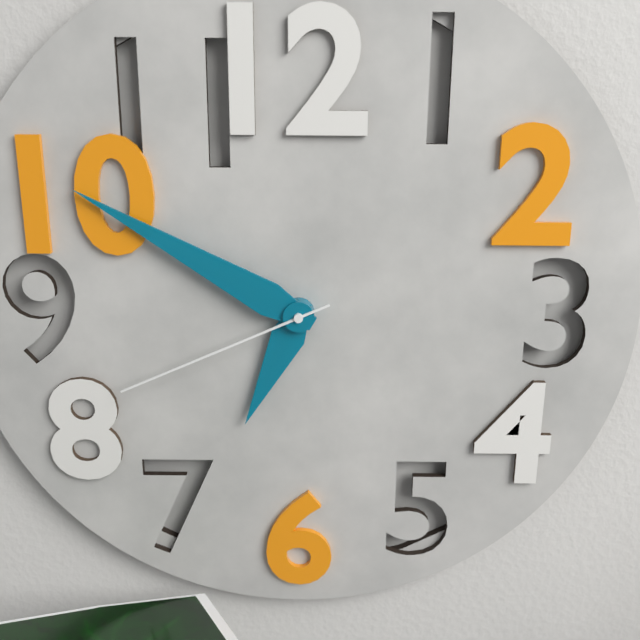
6 h 50 min 41 s
